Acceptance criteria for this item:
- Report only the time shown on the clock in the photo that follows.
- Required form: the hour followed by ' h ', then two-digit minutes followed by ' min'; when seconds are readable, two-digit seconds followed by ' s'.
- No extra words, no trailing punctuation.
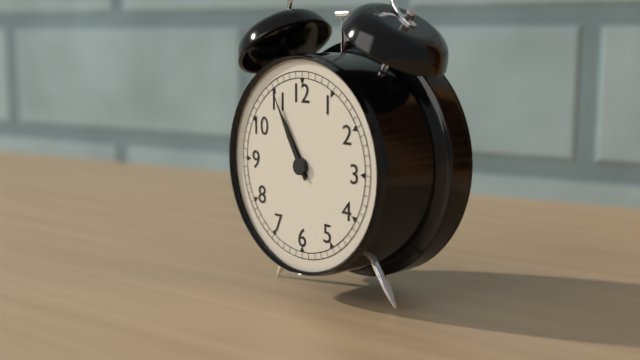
10 h 55 min
